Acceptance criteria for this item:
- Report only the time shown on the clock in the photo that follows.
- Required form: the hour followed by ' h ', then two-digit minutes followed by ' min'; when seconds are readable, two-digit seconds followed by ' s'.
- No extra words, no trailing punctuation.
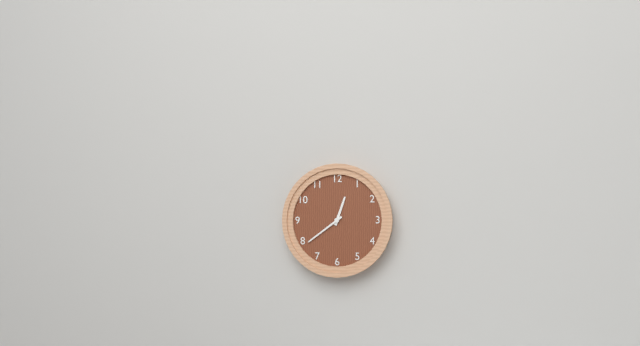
12 h 39 min
